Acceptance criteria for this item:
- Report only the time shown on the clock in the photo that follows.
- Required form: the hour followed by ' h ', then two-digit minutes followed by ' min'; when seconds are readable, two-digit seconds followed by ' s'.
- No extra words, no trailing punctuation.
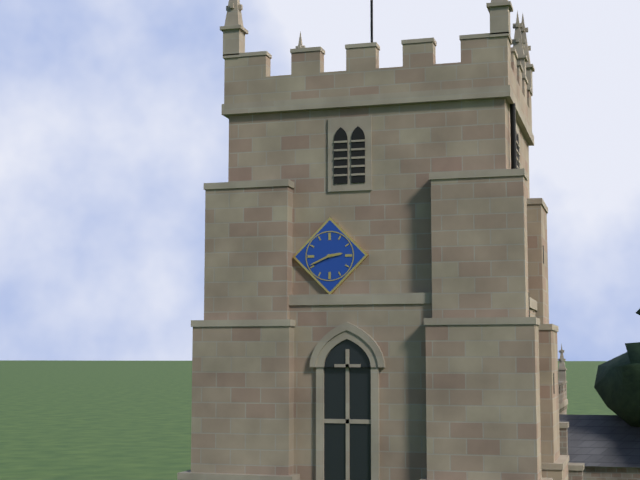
2 h 41 min
